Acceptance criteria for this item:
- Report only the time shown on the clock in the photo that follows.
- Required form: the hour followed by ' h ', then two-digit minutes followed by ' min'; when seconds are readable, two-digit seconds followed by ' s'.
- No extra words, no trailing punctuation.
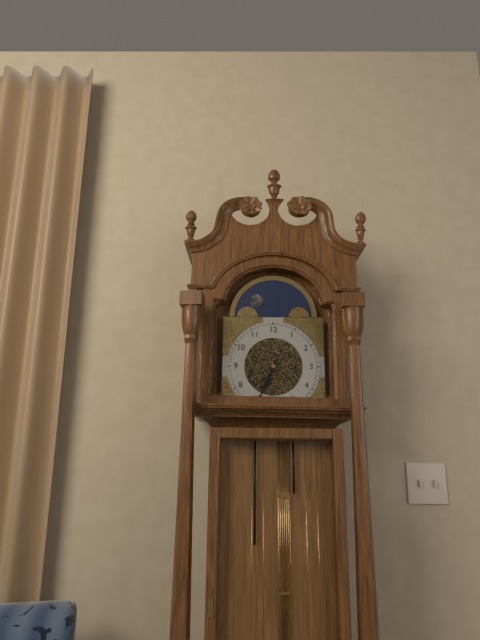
6 h 34 min
